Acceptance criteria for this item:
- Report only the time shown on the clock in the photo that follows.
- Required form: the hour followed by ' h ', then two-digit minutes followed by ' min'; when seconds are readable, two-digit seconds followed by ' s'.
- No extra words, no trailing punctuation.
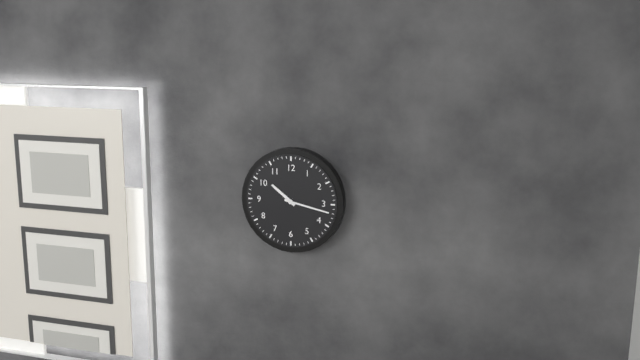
10 h 17 min
